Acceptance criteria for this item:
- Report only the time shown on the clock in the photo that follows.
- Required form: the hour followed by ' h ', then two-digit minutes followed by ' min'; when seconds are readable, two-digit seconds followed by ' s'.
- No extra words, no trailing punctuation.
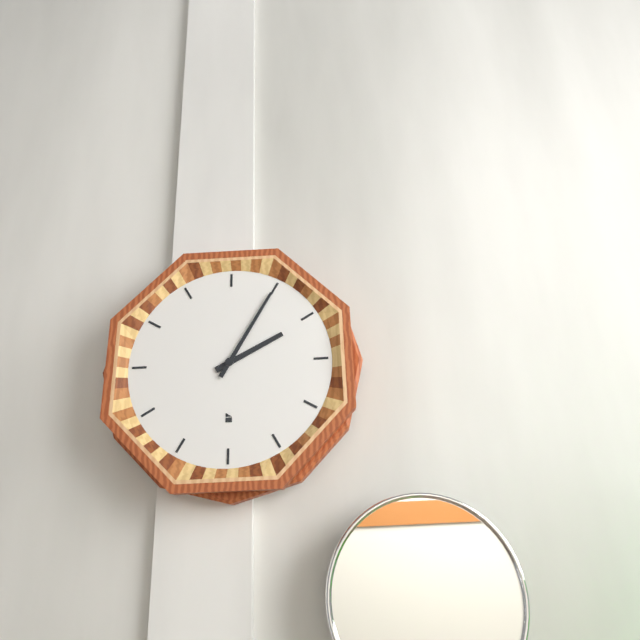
2 h 05 min
